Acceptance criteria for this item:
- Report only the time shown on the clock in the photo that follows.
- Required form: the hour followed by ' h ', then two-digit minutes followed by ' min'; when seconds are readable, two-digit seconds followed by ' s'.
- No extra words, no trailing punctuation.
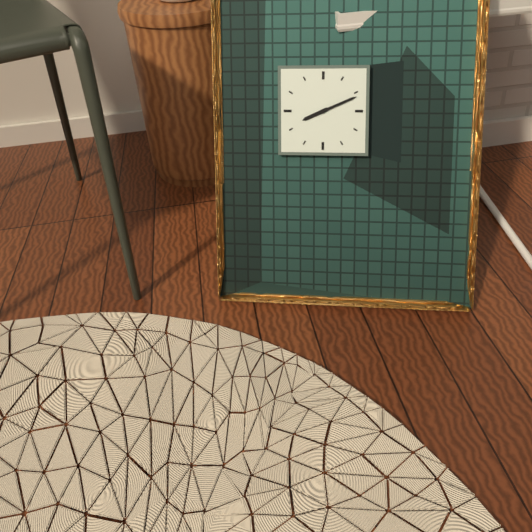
8 h 11 min
